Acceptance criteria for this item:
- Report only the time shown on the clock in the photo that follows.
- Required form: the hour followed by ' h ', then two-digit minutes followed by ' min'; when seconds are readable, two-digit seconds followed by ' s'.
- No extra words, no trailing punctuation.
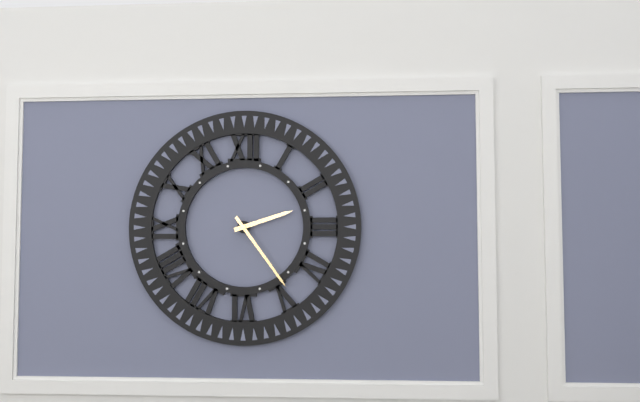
2 h 24 min
